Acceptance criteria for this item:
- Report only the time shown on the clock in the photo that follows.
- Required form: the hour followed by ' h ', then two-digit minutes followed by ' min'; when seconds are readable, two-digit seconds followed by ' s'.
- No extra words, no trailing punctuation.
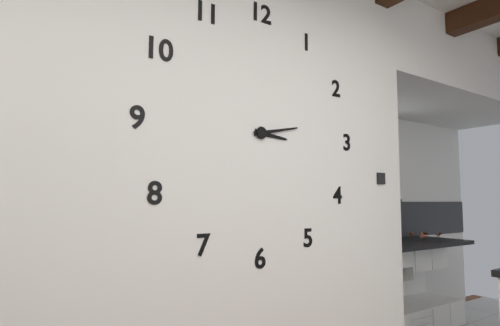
3 h 13 min
